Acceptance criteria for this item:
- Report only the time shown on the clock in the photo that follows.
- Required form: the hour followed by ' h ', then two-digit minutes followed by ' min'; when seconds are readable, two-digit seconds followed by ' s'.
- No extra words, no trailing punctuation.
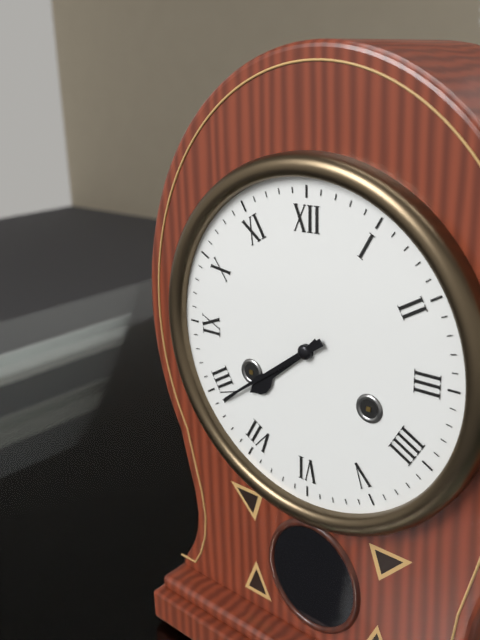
7 h 39 min
